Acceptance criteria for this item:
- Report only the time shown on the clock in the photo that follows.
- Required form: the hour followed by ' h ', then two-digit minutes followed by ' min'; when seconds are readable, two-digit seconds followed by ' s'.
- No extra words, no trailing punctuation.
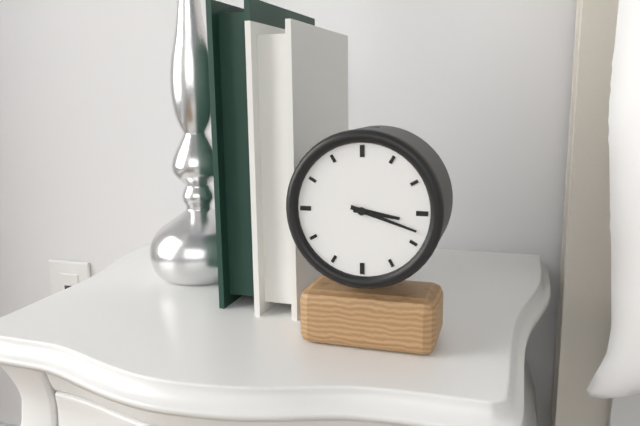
3 h 18 min
